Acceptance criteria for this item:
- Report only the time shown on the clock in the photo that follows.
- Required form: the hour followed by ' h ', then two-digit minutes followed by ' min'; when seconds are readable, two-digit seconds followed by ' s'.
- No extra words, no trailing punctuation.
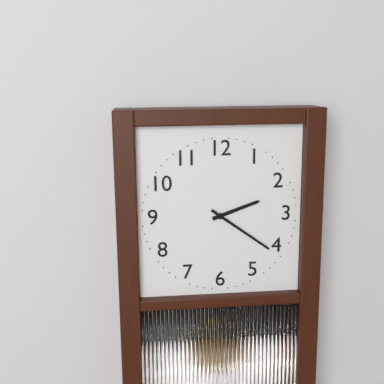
2 h 21 min
